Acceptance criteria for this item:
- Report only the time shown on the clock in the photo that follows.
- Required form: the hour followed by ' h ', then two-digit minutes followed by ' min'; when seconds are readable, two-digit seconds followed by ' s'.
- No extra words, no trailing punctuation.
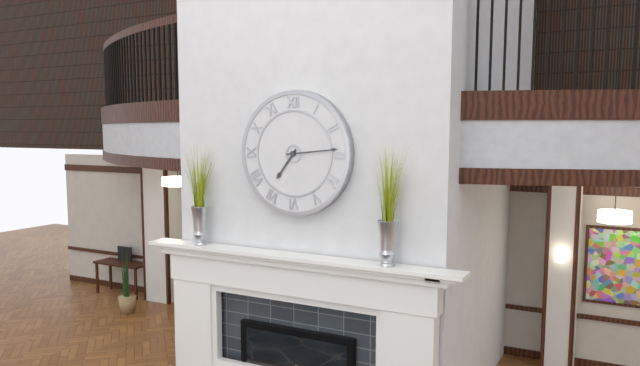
7 h 14 min
